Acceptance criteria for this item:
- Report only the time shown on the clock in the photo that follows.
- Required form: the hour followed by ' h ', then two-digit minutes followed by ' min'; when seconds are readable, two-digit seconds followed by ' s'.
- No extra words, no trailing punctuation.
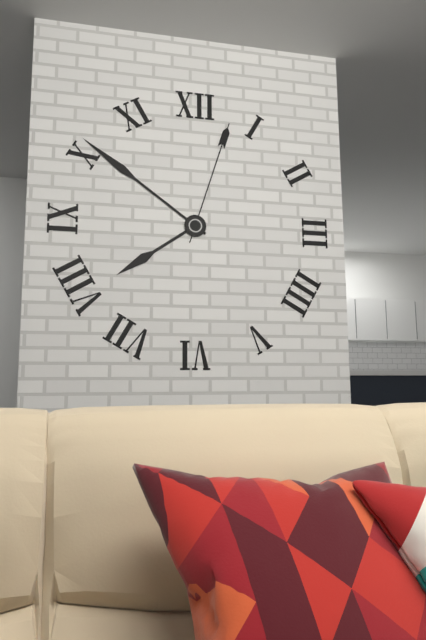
7 h 51 min 03 s
